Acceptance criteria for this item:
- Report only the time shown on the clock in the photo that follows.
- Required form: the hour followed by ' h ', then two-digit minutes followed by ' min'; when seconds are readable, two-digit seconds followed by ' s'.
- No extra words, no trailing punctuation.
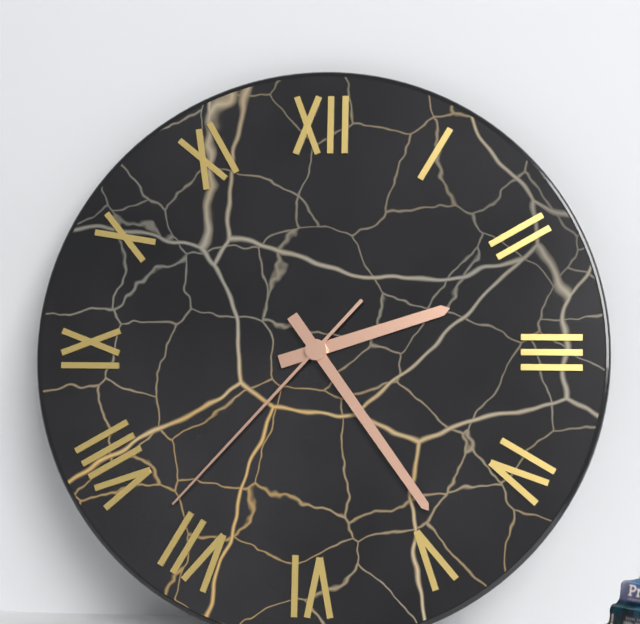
2 h 24 min 37 s
